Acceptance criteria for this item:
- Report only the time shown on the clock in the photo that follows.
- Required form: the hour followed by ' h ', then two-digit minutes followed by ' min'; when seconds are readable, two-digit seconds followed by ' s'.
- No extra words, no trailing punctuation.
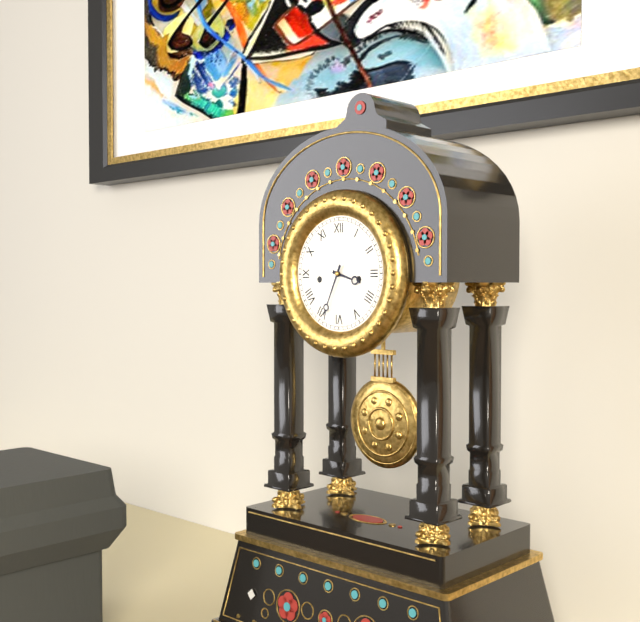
3 h 34 min
